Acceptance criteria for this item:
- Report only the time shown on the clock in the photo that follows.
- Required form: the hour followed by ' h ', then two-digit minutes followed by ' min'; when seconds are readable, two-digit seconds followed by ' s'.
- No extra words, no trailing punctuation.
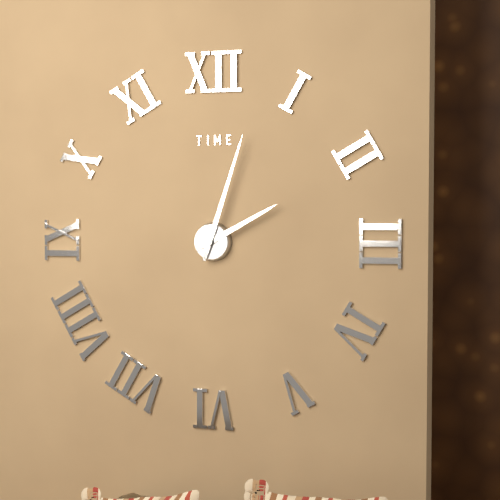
2 h 03 min
